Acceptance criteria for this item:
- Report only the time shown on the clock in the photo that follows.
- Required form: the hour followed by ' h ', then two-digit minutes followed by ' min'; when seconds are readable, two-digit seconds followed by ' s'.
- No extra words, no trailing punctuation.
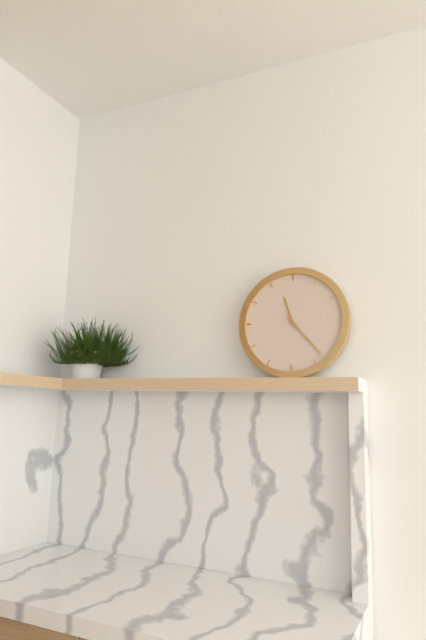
11 h 23 min
